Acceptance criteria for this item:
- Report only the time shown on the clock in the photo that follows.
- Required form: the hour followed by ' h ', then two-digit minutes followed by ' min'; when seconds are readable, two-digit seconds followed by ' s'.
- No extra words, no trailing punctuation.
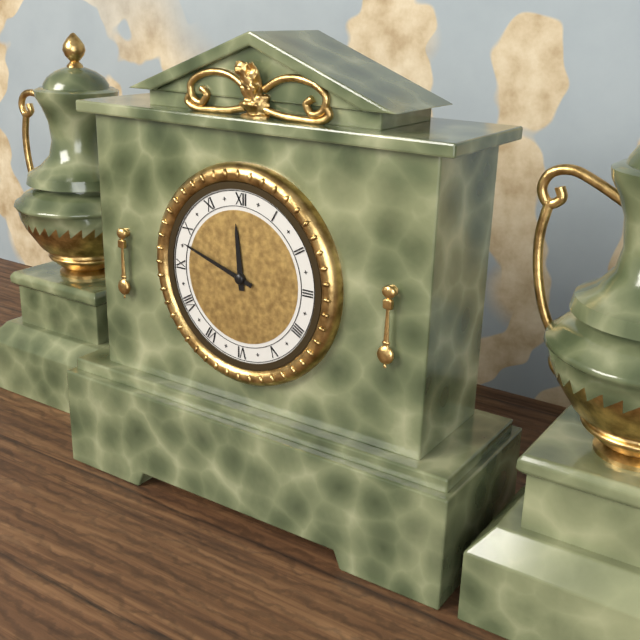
11 h 48 min
